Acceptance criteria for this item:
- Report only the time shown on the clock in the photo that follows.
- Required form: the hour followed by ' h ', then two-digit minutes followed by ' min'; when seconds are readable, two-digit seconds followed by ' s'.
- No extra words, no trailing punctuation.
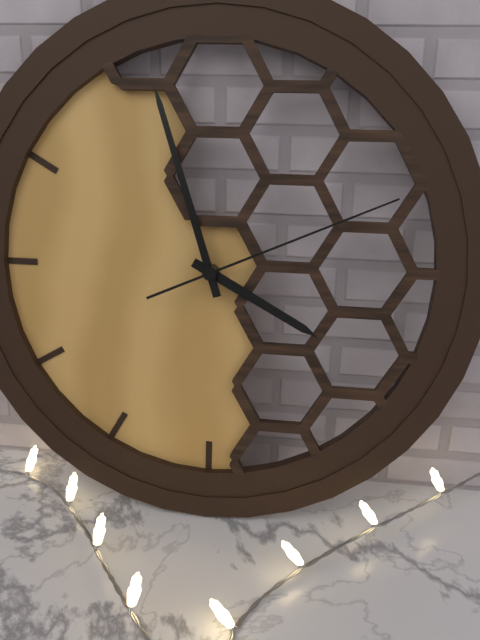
3 h 57 min 11 s
